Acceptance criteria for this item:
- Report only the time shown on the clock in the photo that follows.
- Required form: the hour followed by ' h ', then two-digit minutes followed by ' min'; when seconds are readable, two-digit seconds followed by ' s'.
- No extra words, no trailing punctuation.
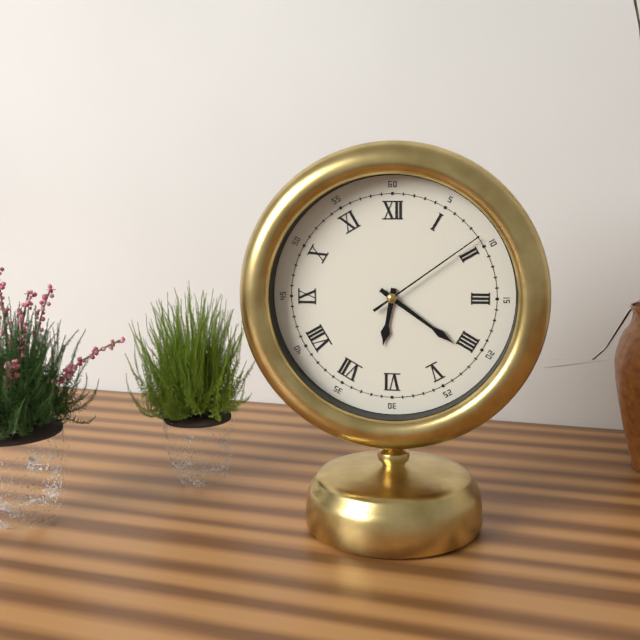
6 h 21 min 09 s
